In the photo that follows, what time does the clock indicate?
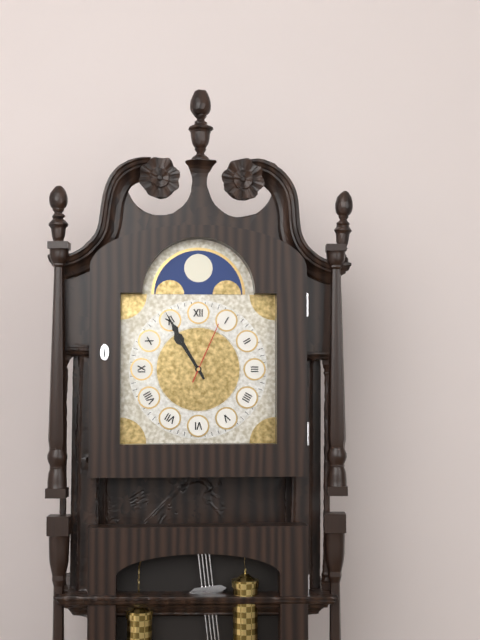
10:55:04
